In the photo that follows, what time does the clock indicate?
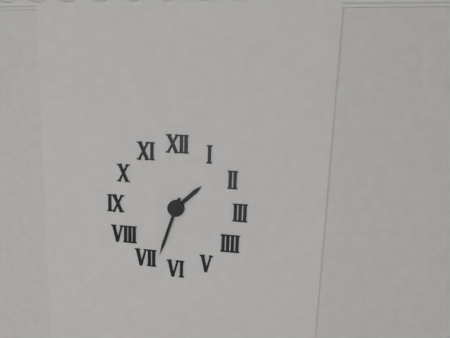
1:33
